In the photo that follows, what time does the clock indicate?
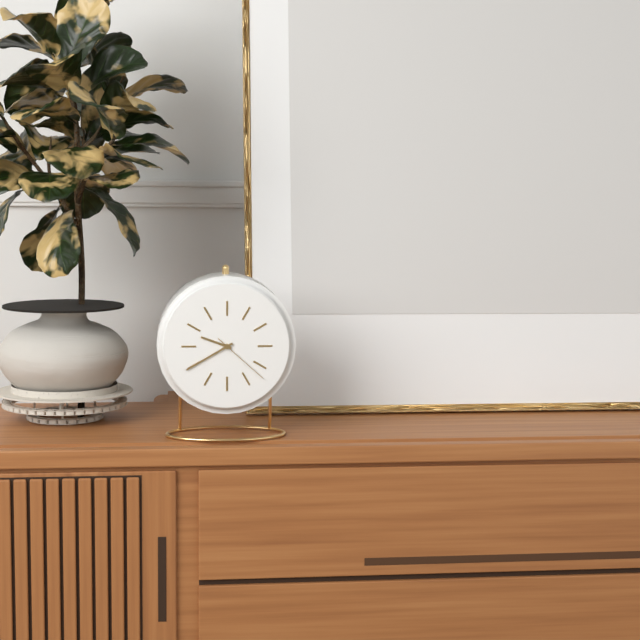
9:40:22
